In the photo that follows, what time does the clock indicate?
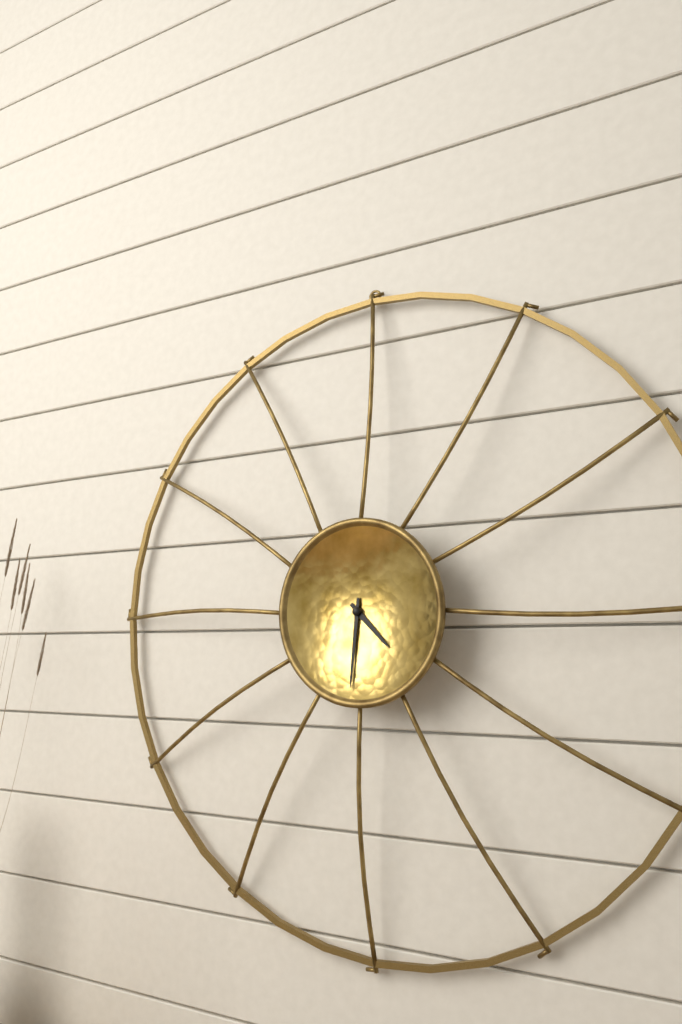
4:31
